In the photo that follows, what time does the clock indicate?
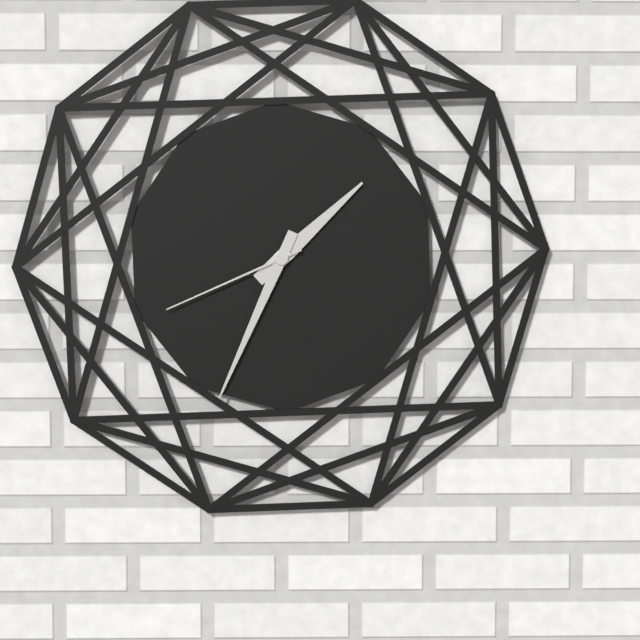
1:34:41
